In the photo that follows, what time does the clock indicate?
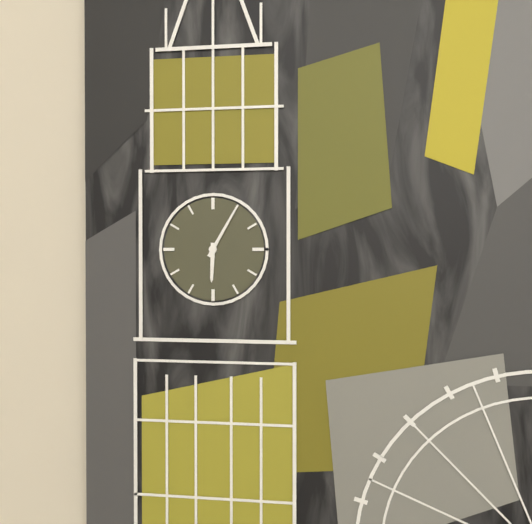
6:05
